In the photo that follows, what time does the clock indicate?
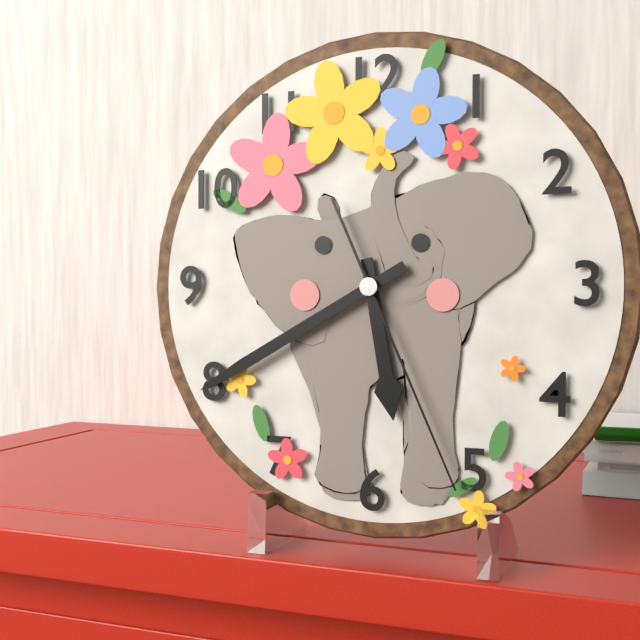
5:40:26
